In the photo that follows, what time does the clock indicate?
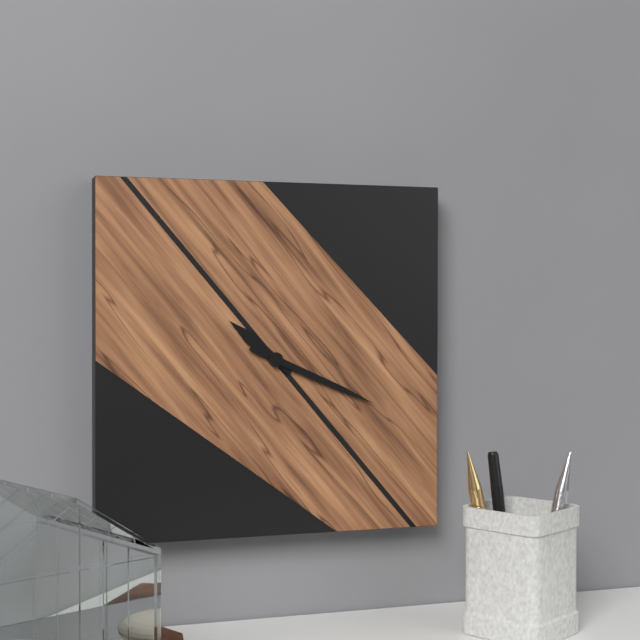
10:19
